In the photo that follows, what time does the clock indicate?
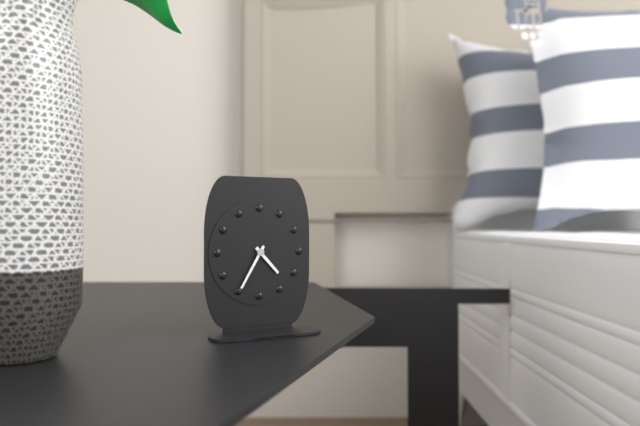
4:35
